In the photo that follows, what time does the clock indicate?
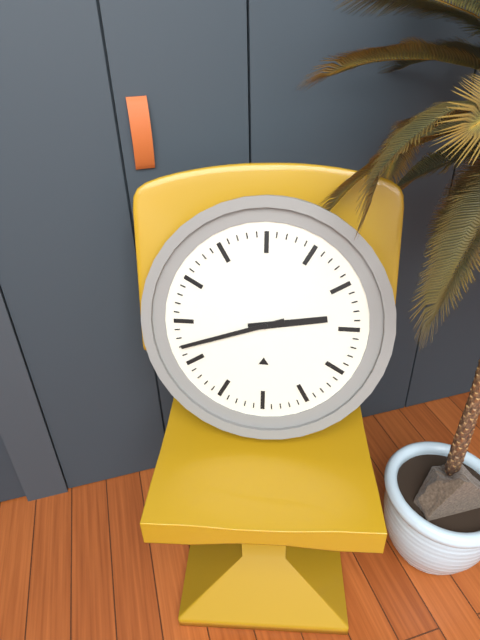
2:42
